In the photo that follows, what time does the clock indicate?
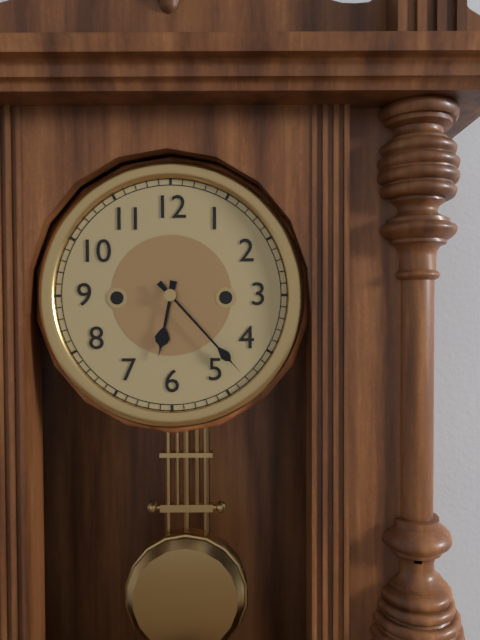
6:23
